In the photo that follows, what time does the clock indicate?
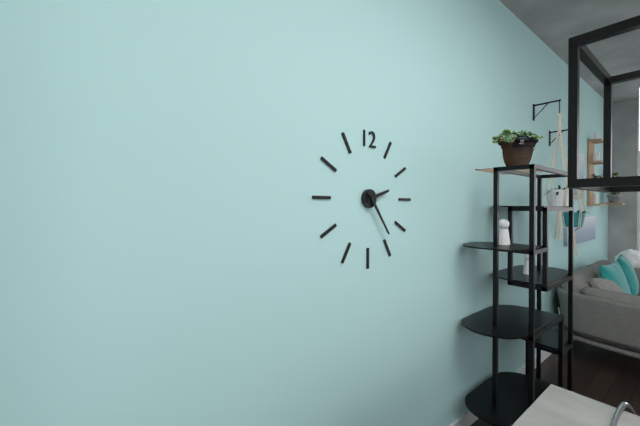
2:24
